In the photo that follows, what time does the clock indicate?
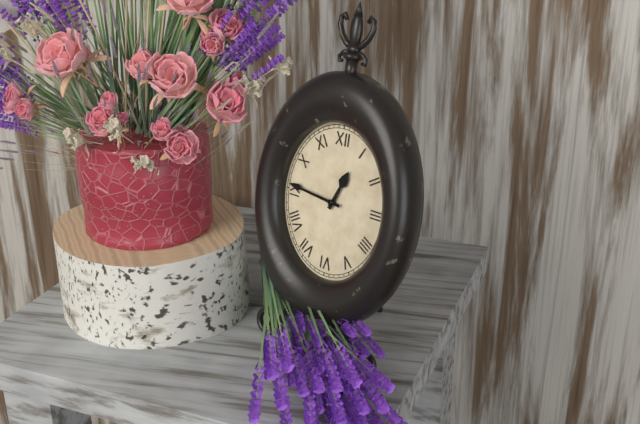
12:46
